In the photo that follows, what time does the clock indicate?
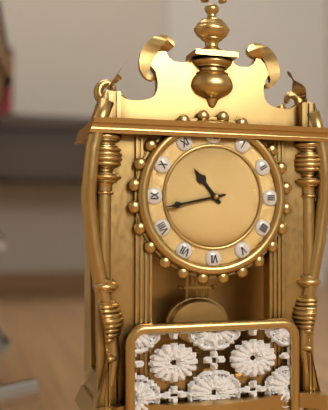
10:43
